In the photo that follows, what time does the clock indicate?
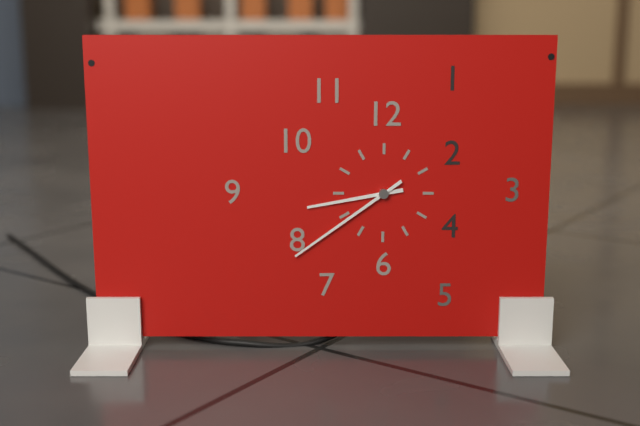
8:39
